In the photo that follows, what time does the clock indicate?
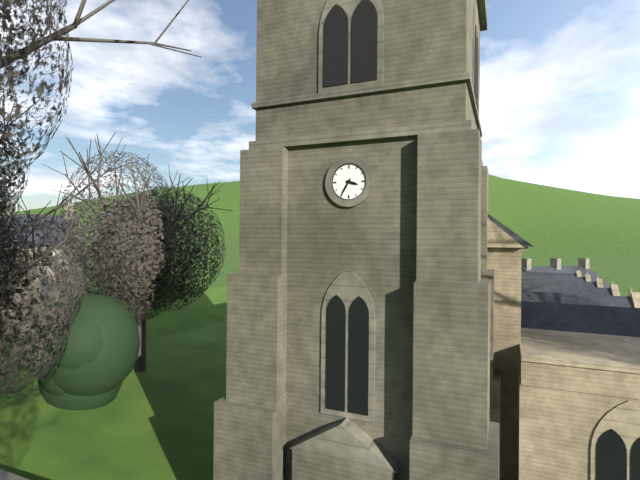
3:35
